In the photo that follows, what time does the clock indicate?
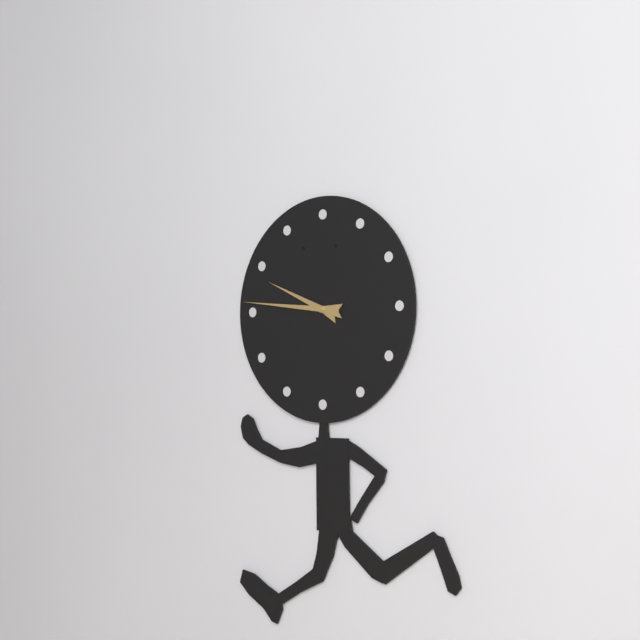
9:46
